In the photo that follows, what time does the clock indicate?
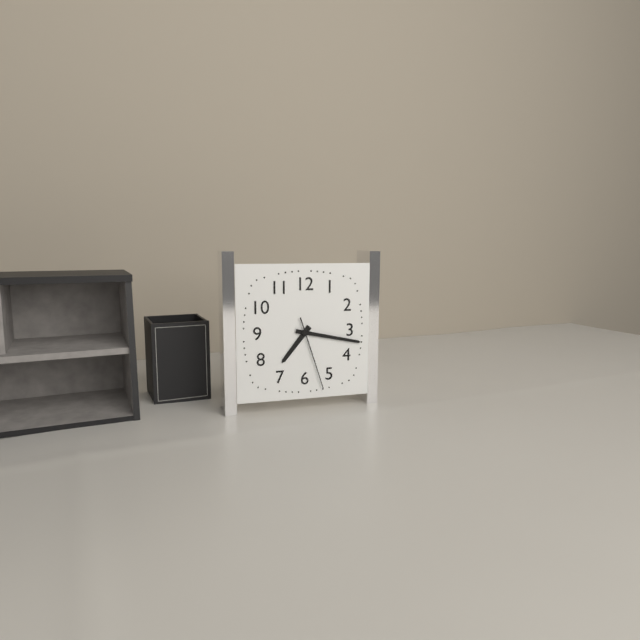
7:17:27
